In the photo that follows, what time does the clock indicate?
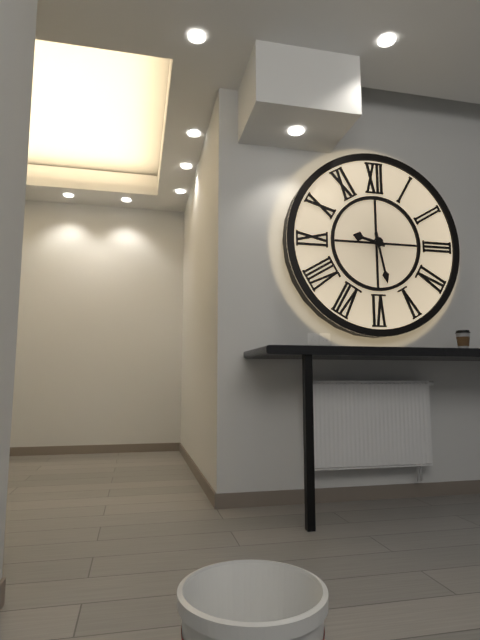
9:28
